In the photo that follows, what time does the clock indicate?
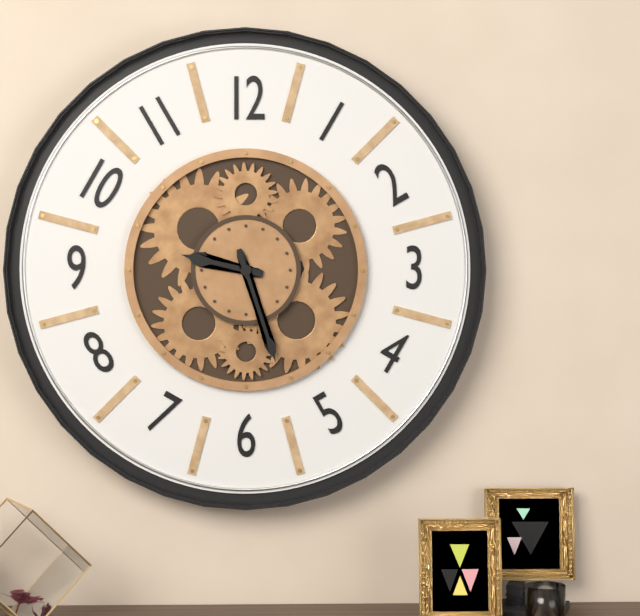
9:27
